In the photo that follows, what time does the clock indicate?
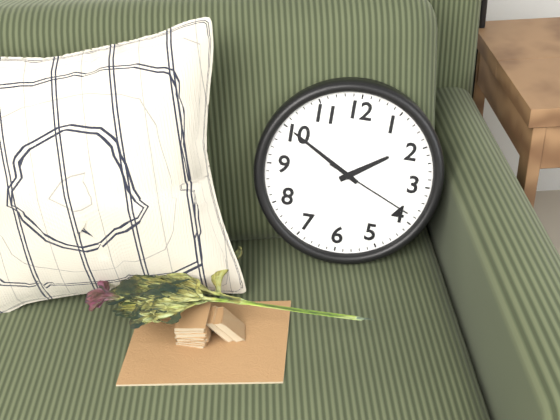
1:50:19
